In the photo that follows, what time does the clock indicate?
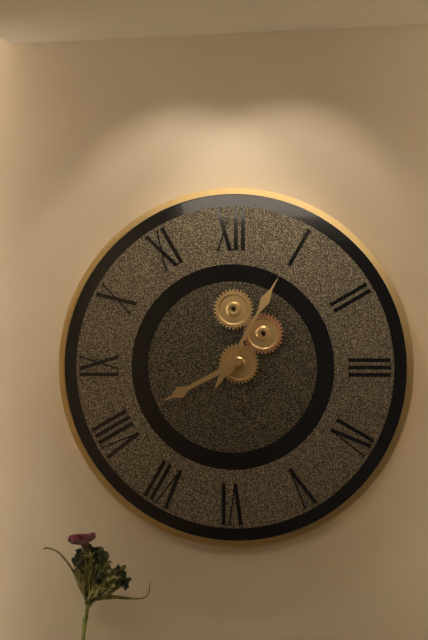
8:05
